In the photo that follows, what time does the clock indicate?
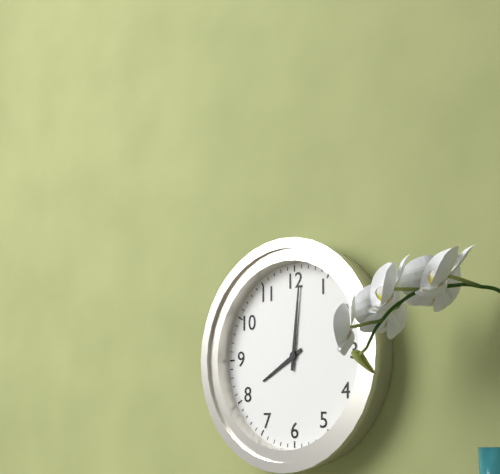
8:01
